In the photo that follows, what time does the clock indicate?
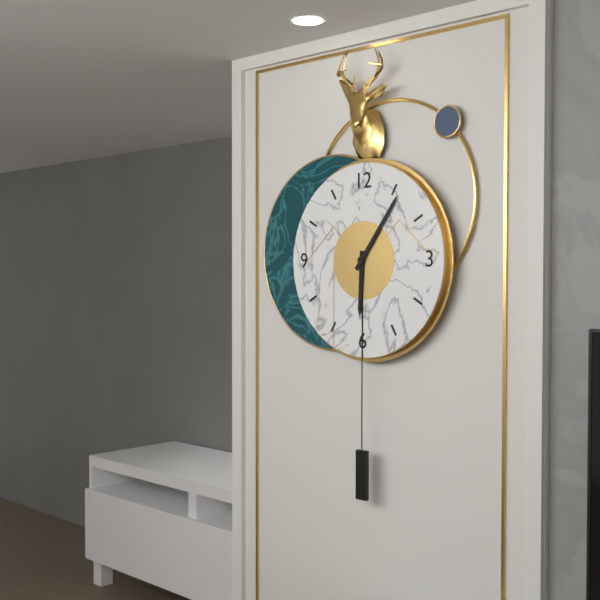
6:06
